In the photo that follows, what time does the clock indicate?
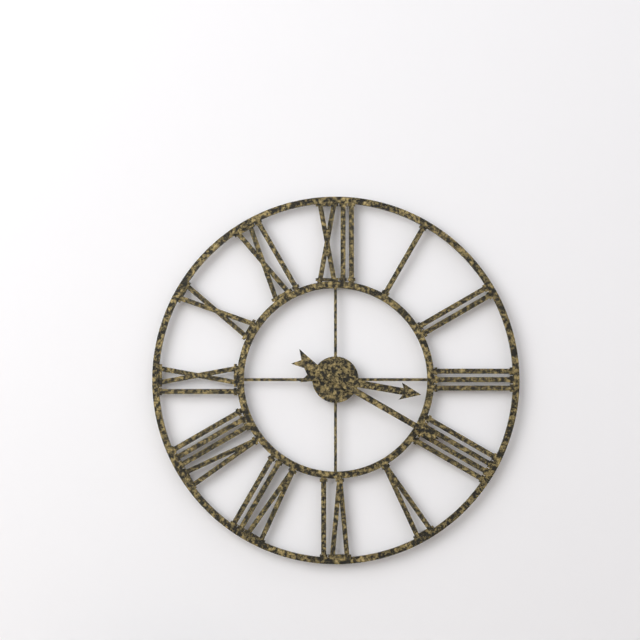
3:20
